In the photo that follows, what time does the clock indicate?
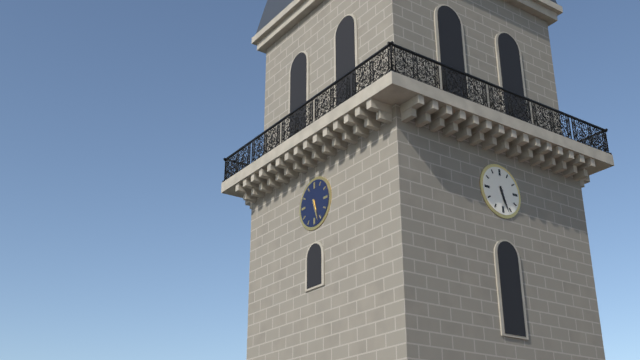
5:27
